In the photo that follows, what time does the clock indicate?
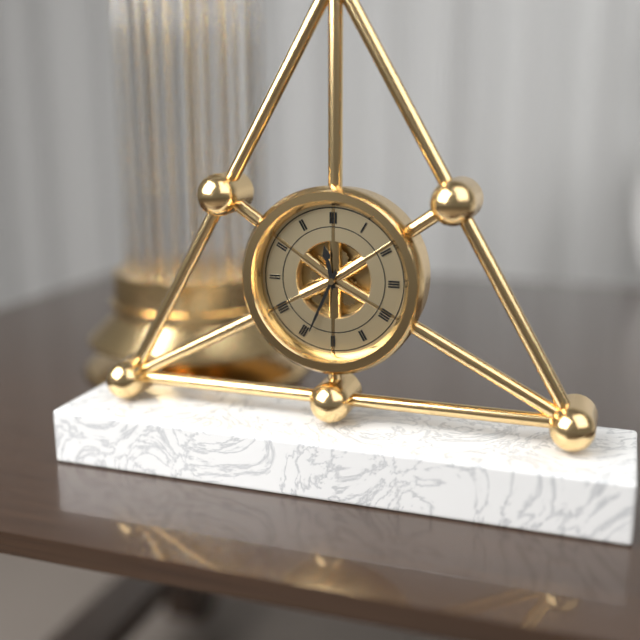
11:34
